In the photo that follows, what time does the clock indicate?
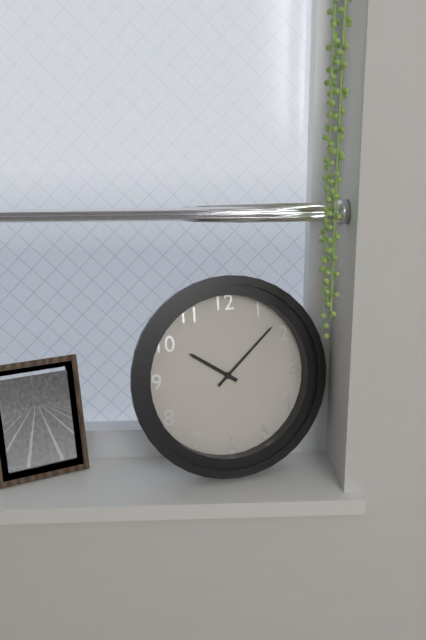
10:08
